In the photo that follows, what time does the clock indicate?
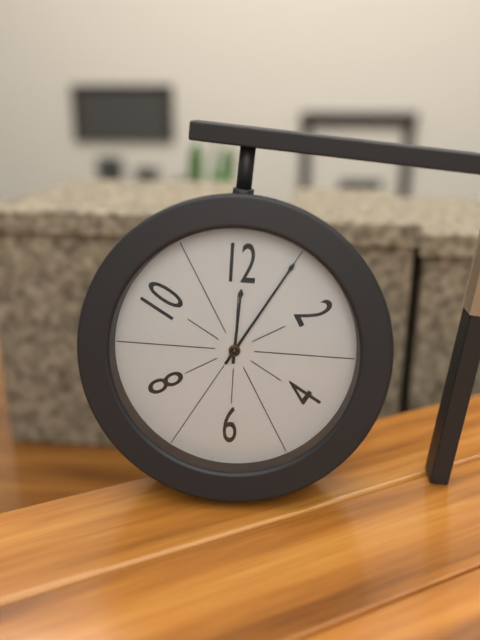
12:05
